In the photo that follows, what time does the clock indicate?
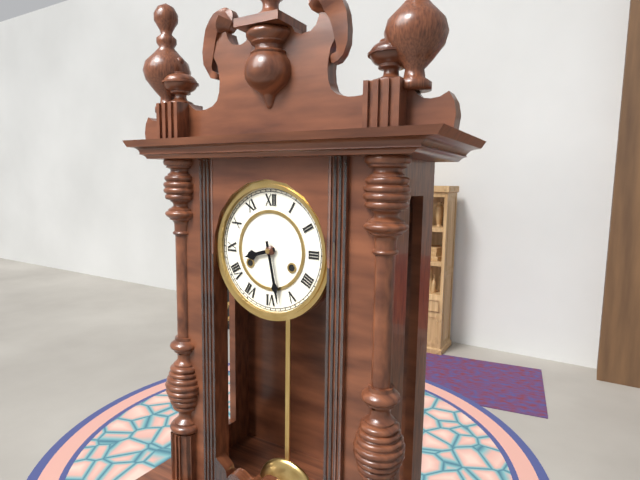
8:28
